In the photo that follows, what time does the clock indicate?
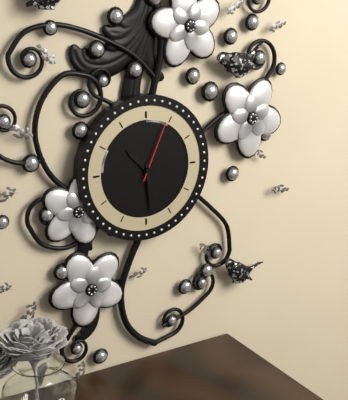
10:29:04
